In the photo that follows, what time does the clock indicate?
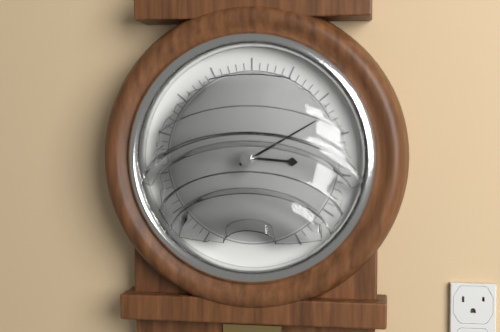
3:10
